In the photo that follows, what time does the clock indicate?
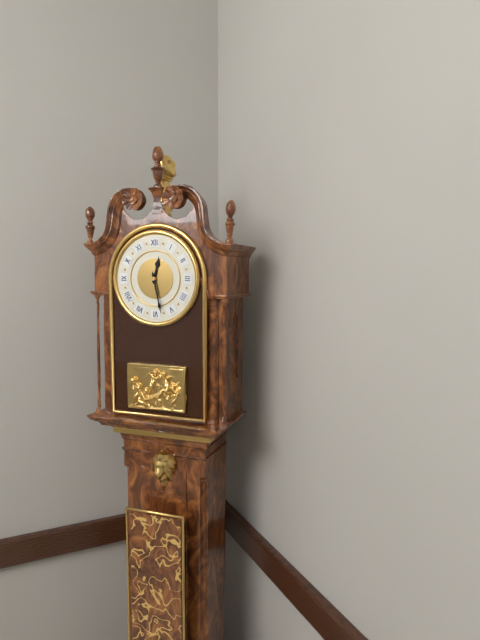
12:28
